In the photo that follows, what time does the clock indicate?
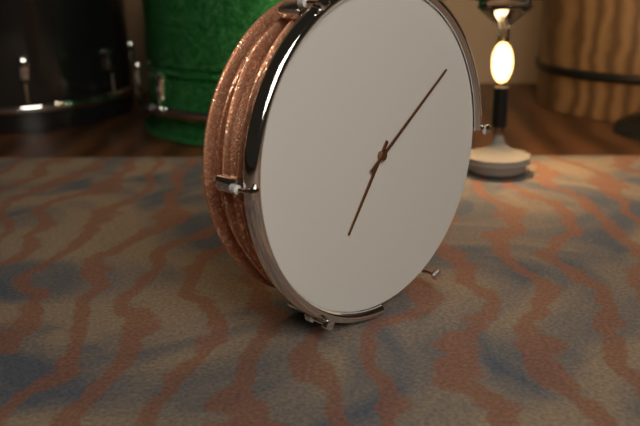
7:09
